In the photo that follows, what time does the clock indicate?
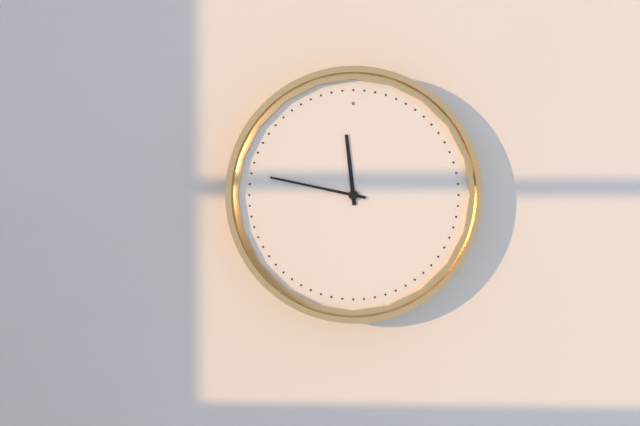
11:47
